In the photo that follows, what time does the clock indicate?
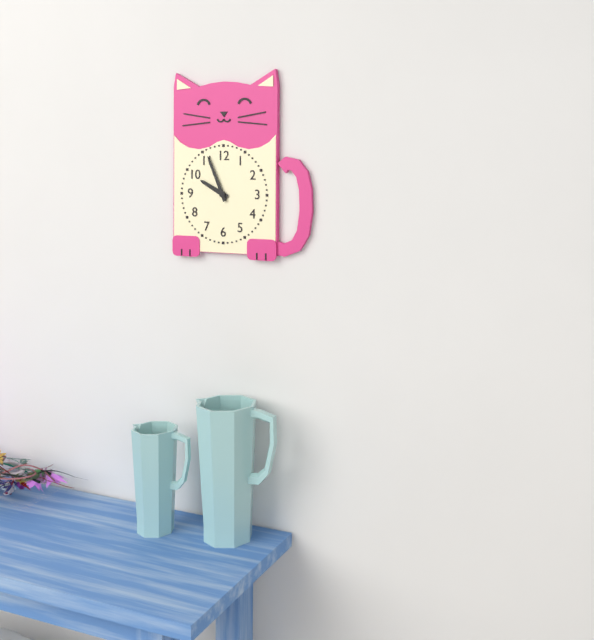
9:56
